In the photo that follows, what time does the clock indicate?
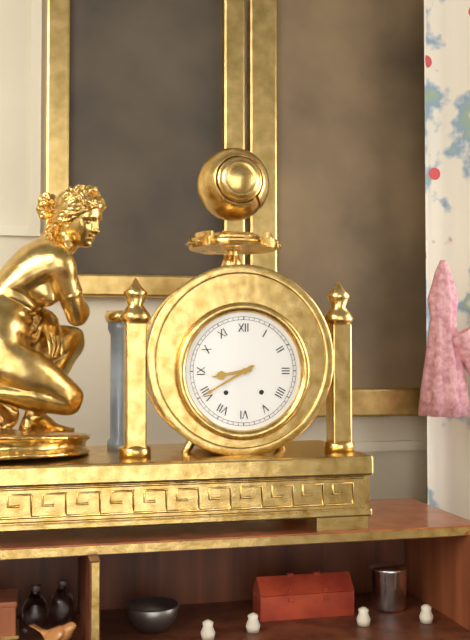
8:40
